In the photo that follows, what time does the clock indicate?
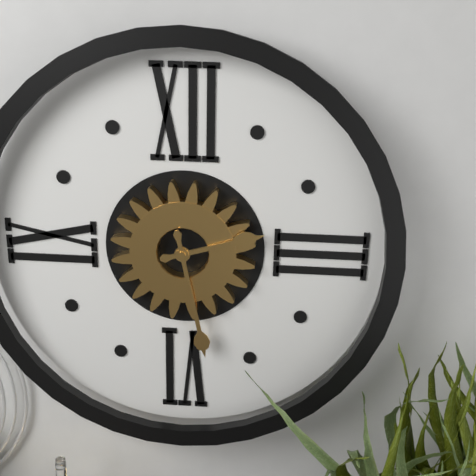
2:28
